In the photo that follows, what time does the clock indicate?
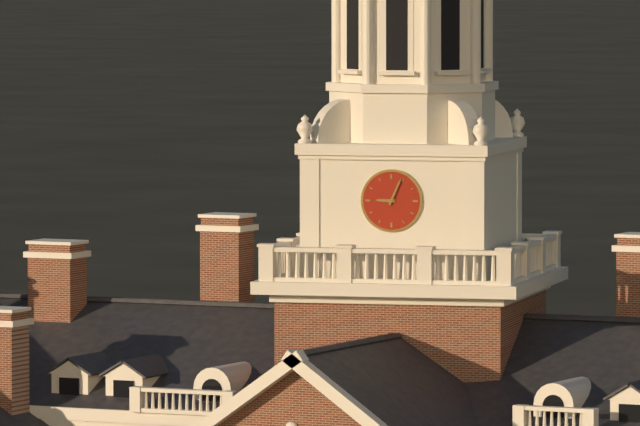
9:04
